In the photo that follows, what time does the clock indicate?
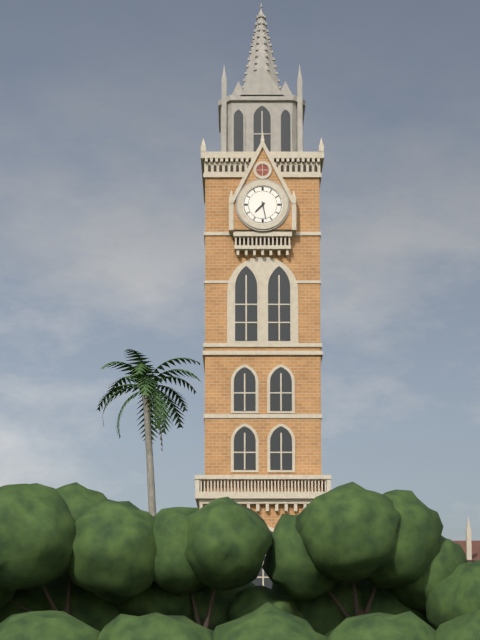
7:28
